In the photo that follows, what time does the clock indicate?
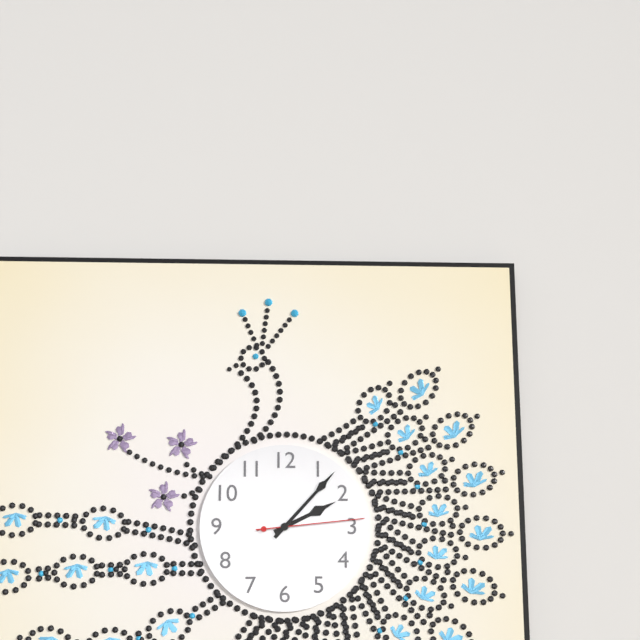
2:07:14
